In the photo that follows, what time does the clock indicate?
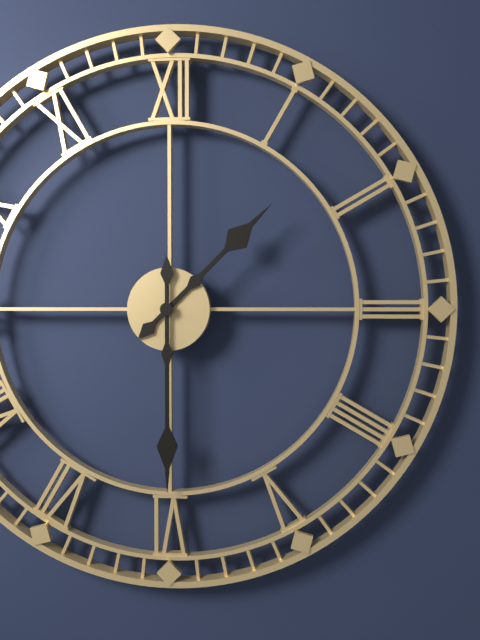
1:30
